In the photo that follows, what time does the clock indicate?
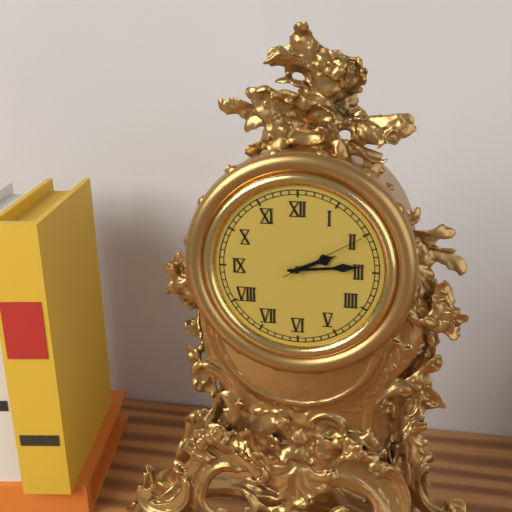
2:14:10
